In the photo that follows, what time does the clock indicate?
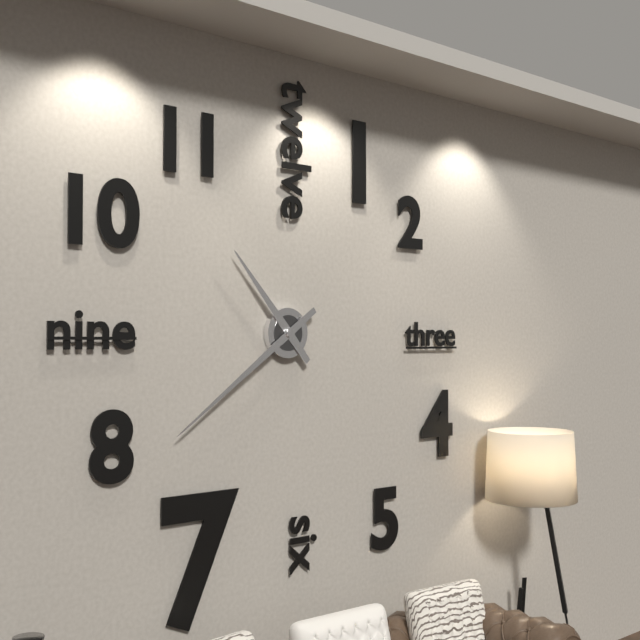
10:39
